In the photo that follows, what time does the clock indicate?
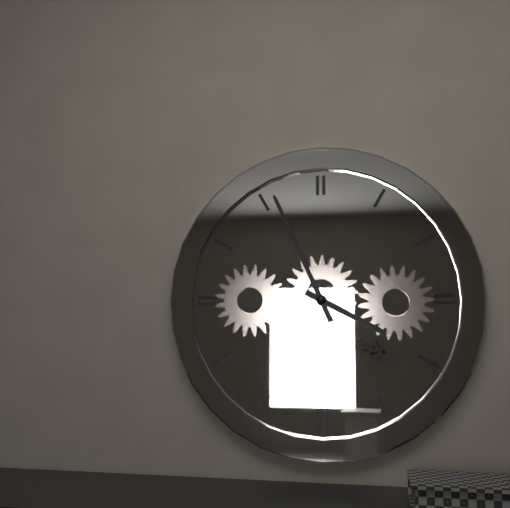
3:56
